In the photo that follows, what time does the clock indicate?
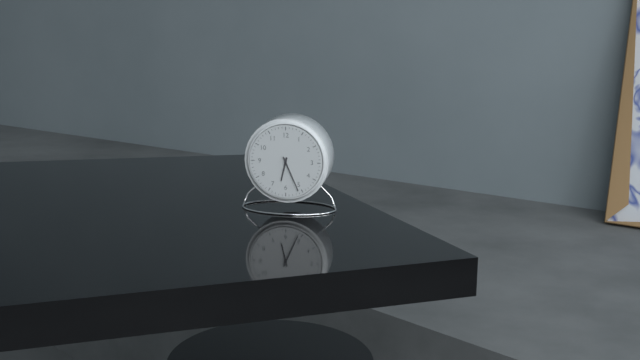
6:26
